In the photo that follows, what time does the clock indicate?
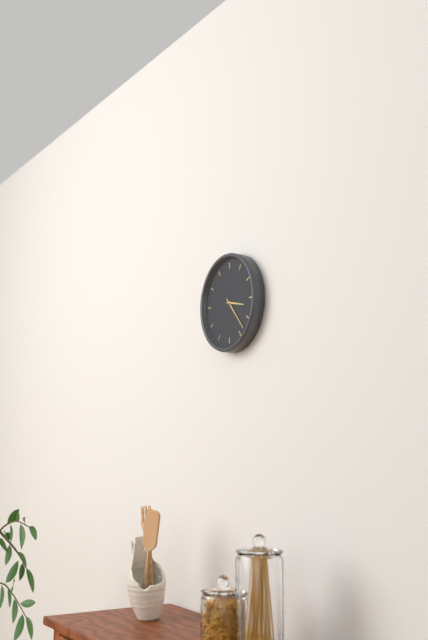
3:23
